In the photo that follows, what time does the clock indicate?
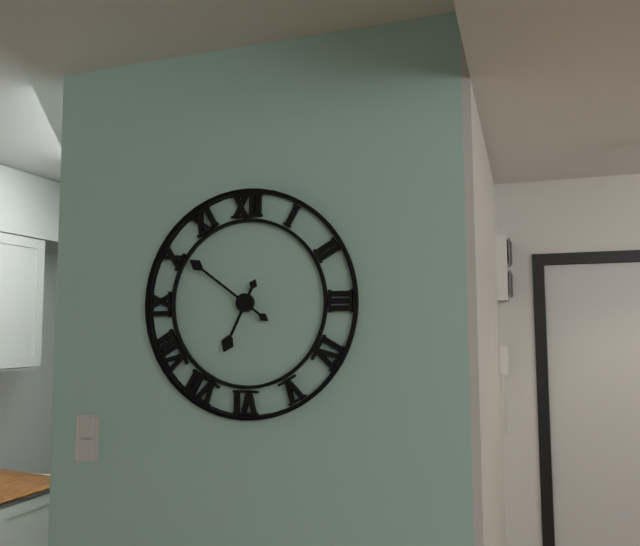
6:51
